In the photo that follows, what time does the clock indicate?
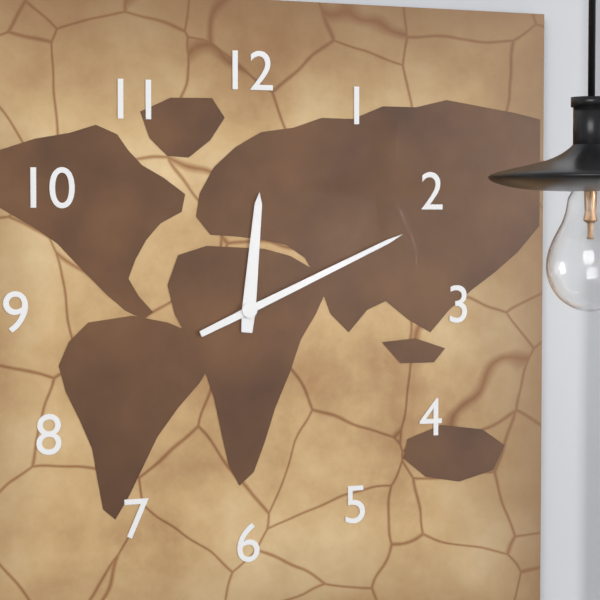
12:11
